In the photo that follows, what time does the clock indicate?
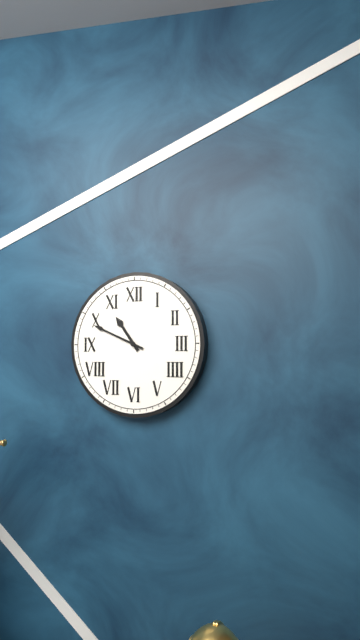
10:49
